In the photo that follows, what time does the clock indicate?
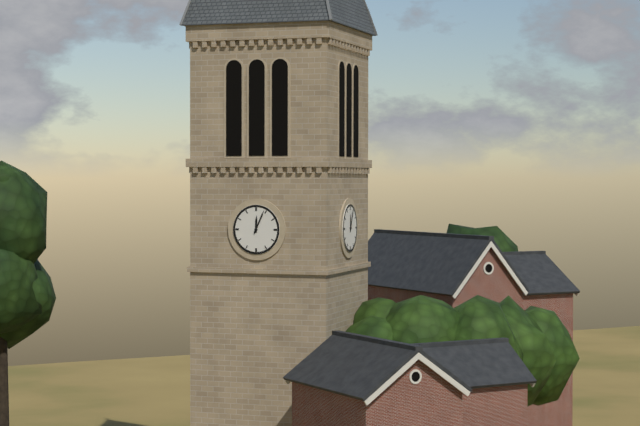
12:04
